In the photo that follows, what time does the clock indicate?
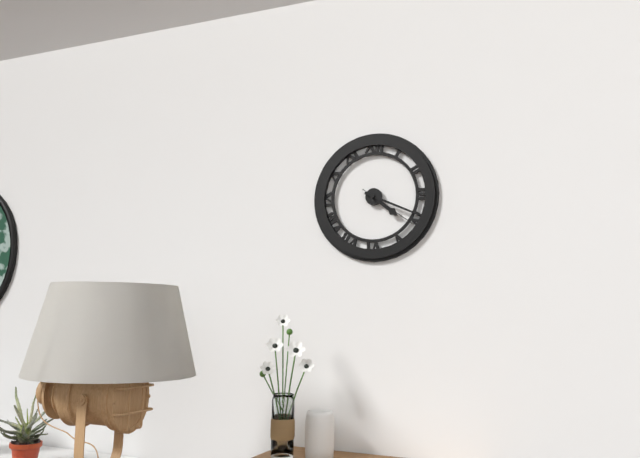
4:19:21
